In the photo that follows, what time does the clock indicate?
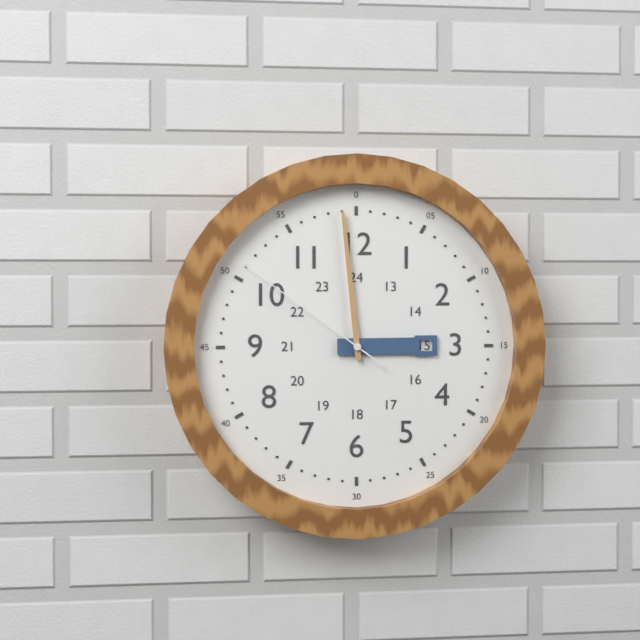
2:59:51
